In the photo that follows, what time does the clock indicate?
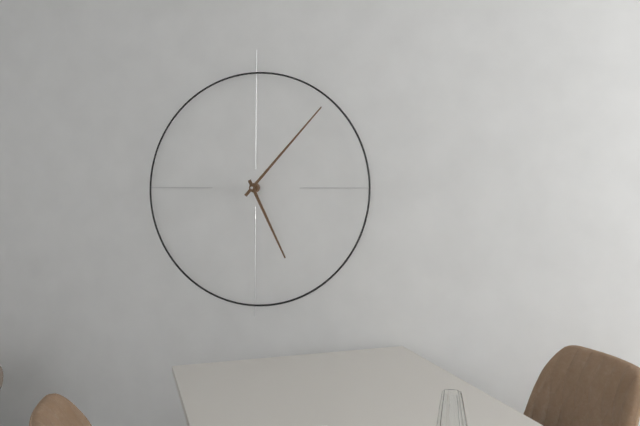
5:07
